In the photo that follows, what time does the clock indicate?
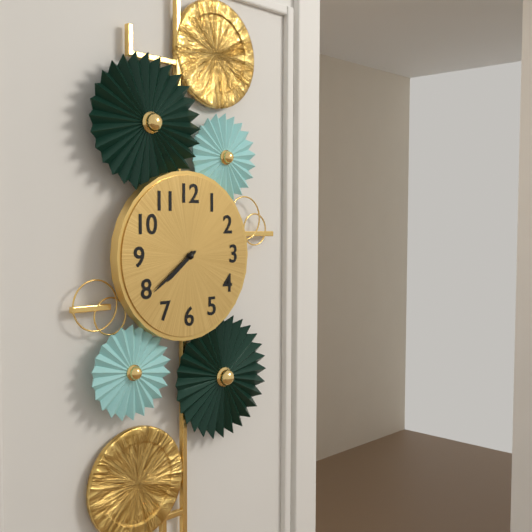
7:39
